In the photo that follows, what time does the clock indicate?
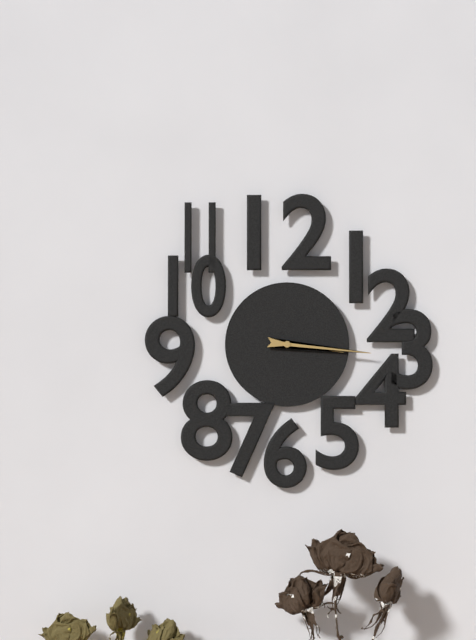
3:16
